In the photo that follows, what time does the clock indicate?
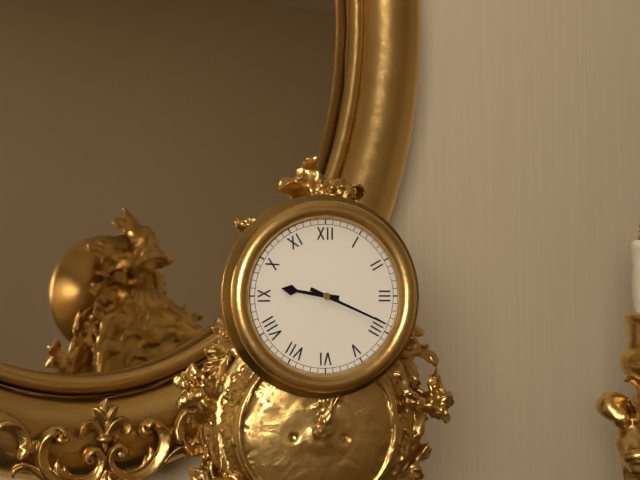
9:19
